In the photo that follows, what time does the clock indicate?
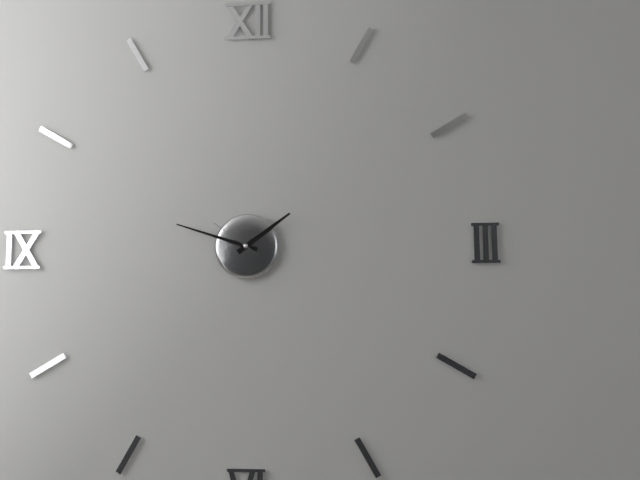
1:48
